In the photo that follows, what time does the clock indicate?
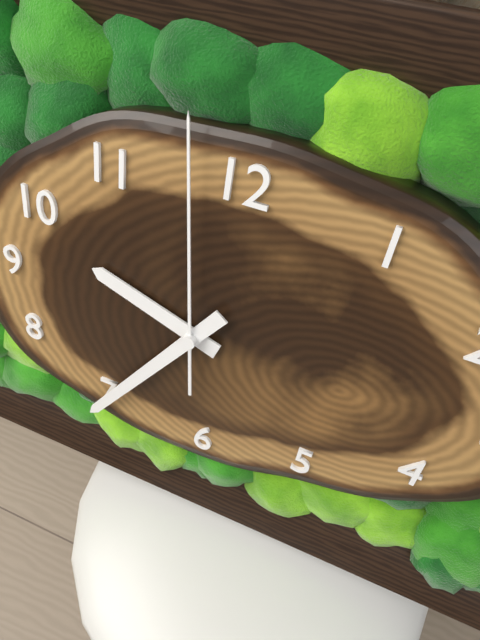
9:36:59
